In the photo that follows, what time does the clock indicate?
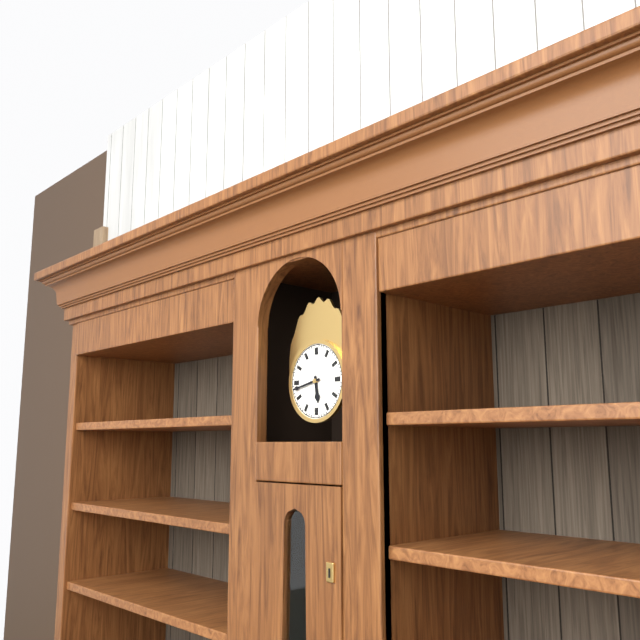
5:43
